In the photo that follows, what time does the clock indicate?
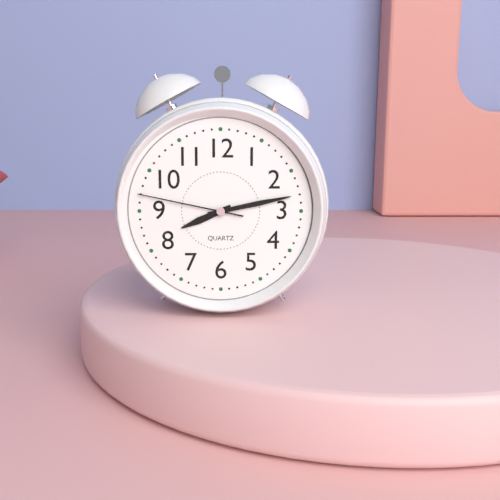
8:13:47
